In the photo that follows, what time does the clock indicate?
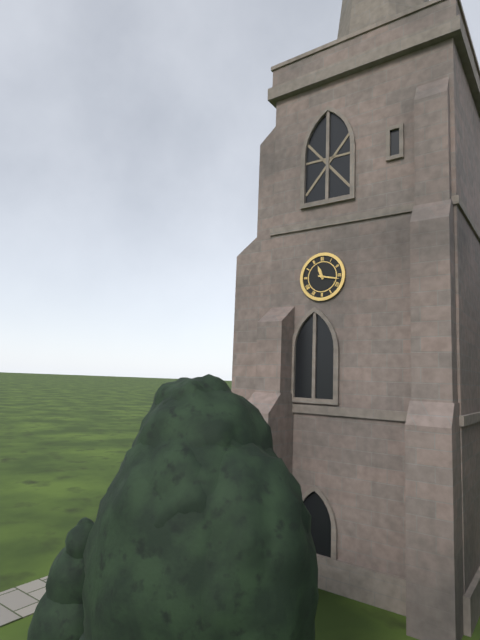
11:17
